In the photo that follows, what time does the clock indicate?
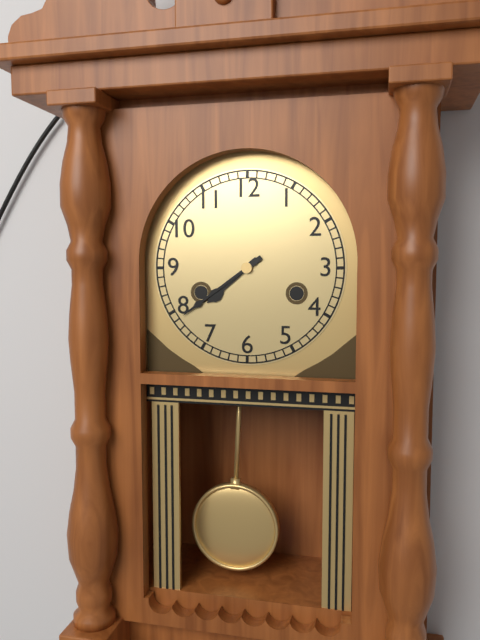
7:39
